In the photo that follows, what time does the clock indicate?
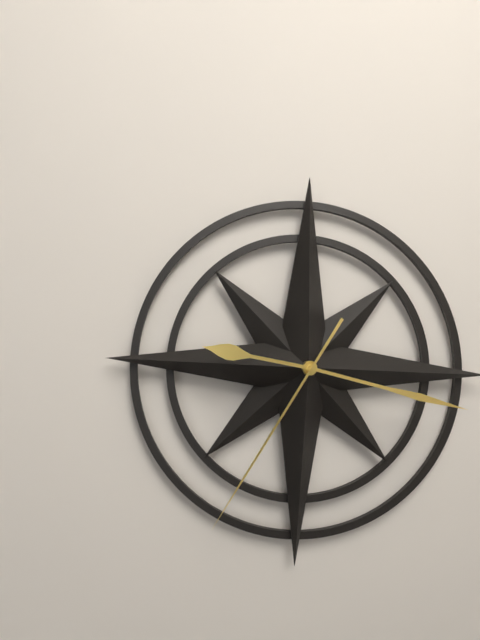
9:17:35
